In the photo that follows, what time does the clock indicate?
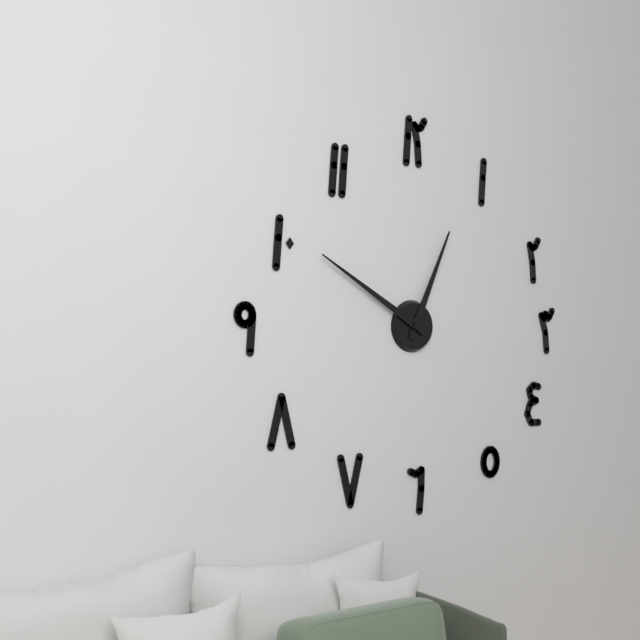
12:50
